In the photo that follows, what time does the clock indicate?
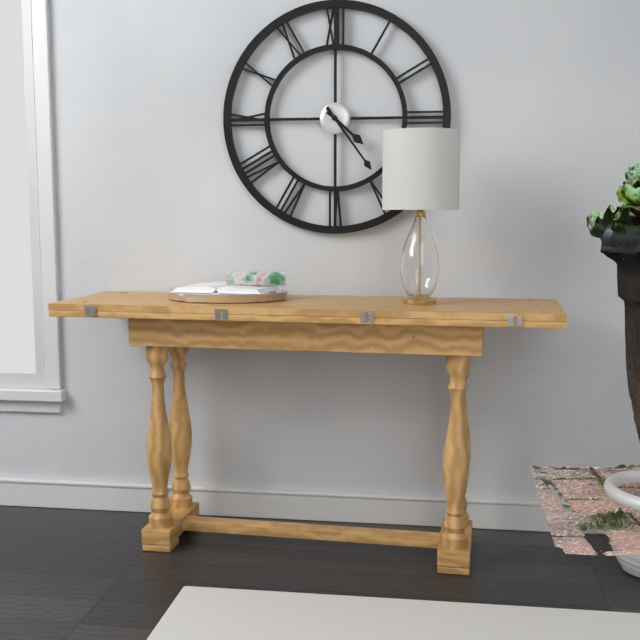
4:24
